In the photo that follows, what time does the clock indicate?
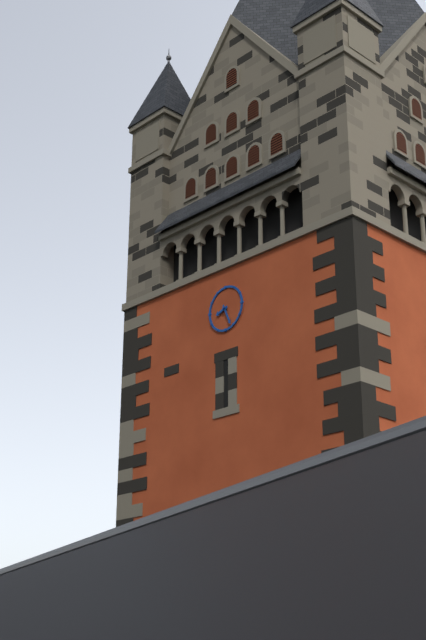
8:26
